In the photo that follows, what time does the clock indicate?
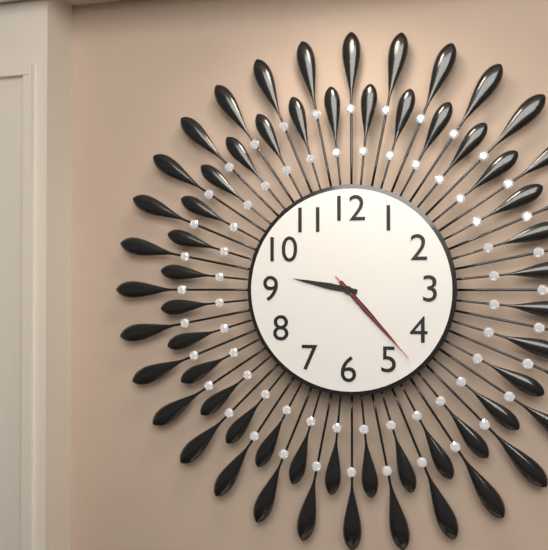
9:23:23
